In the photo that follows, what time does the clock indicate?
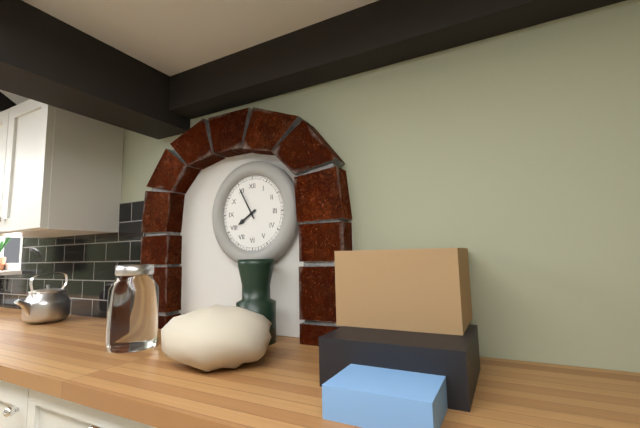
7:55
